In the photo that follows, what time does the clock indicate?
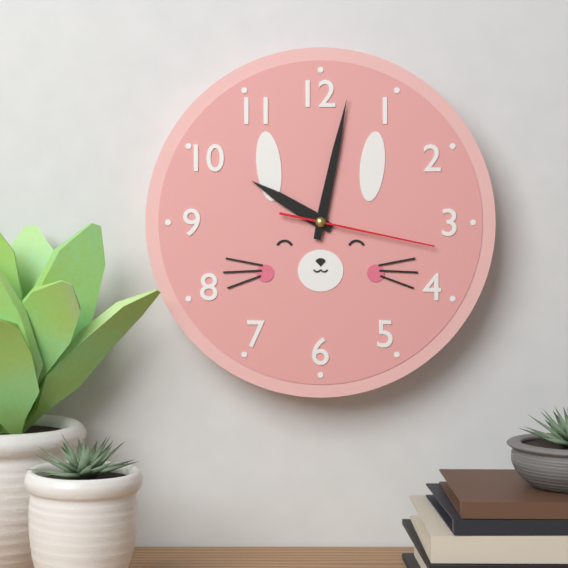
10:02:17
